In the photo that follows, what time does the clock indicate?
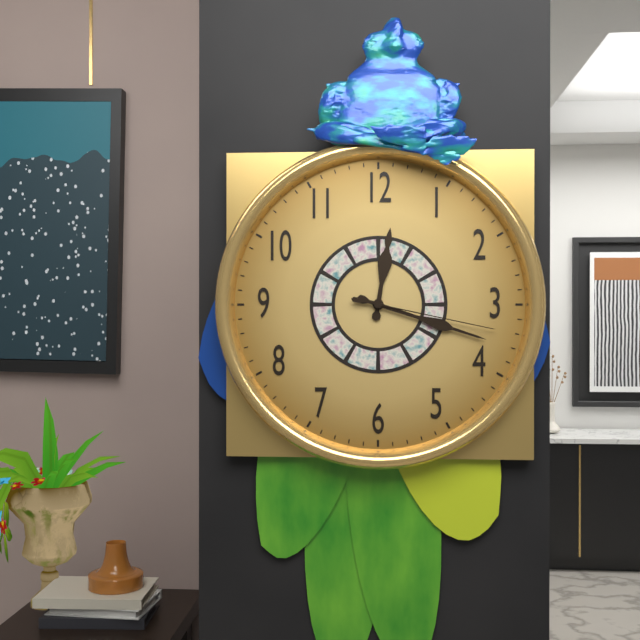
12:18:17
